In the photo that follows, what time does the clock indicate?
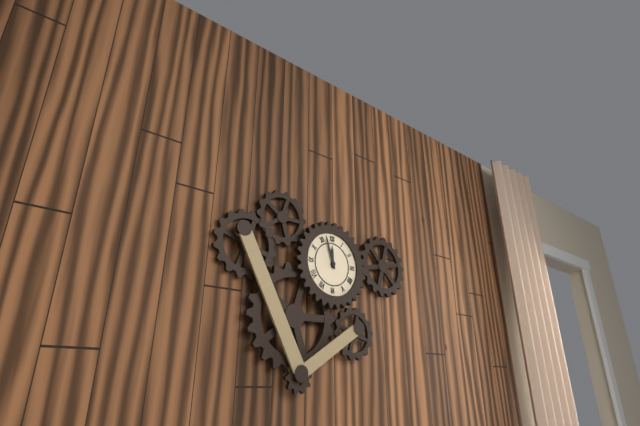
11:57
